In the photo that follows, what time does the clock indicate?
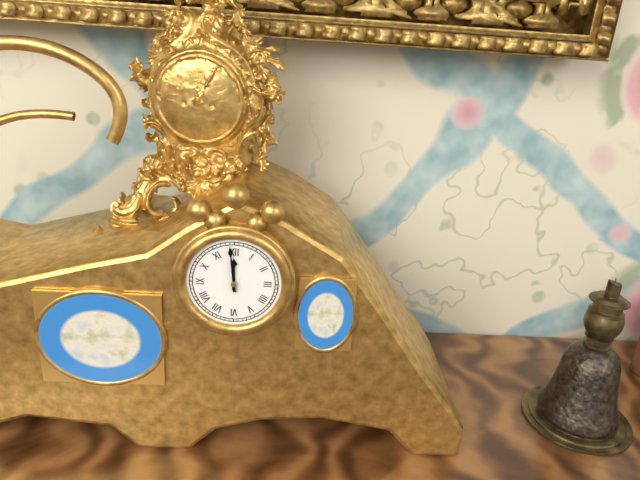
11:59
